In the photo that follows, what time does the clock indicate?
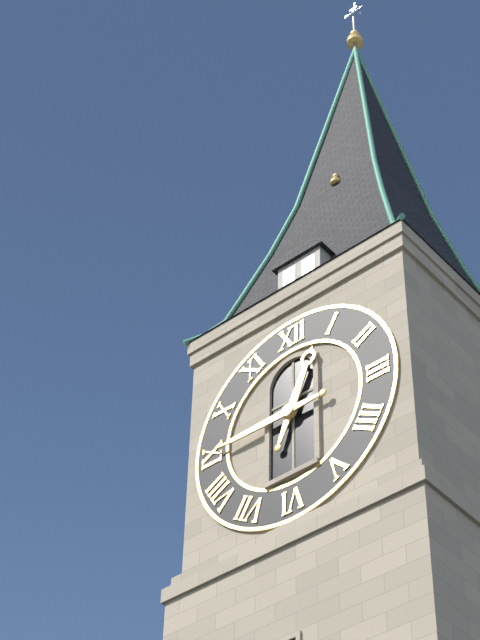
12:45
